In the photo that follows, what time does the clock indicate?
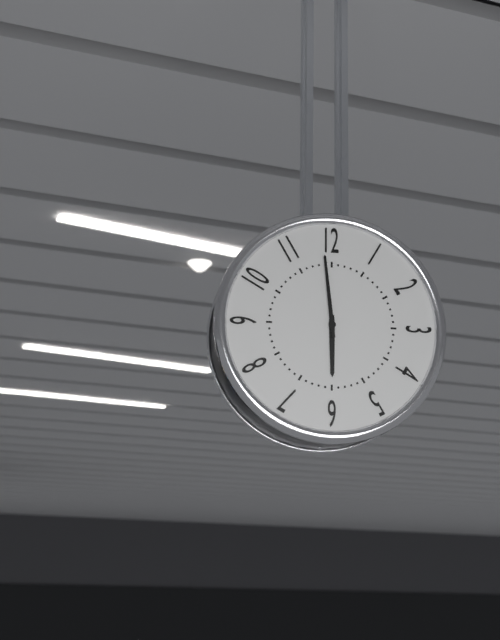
5:59
